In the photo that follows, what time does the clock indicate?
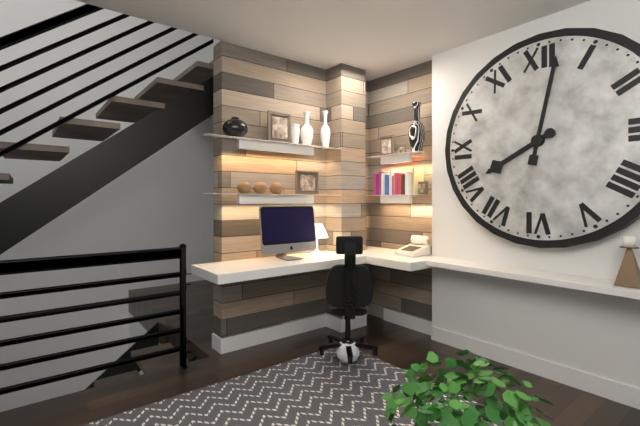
8:02
